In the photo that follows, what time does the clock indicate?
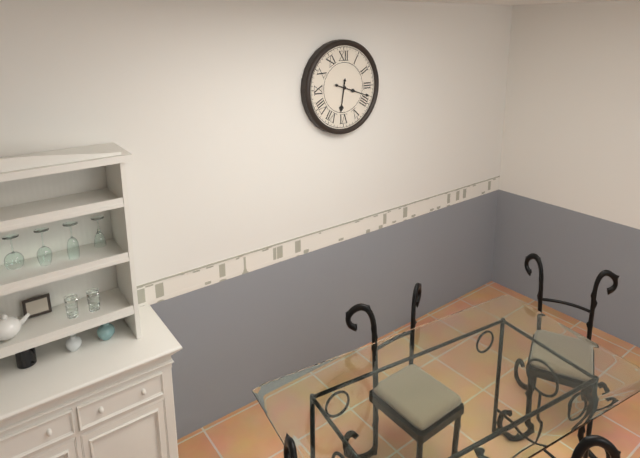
6:18
